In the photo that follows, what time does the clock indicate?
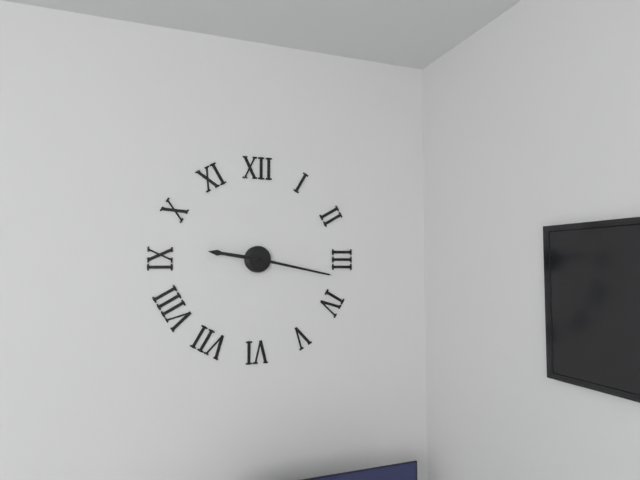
9:17
